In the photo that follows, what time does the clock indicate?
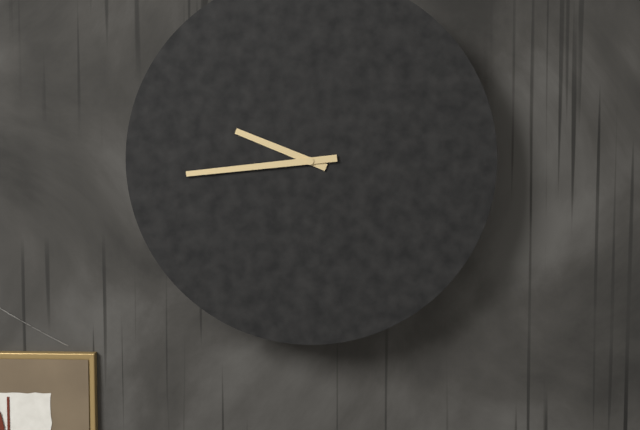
9:44
